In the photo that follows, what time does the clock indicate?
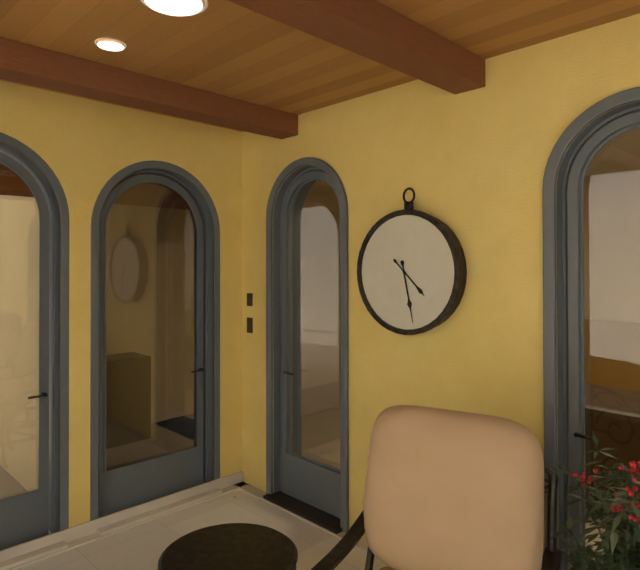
4:28
